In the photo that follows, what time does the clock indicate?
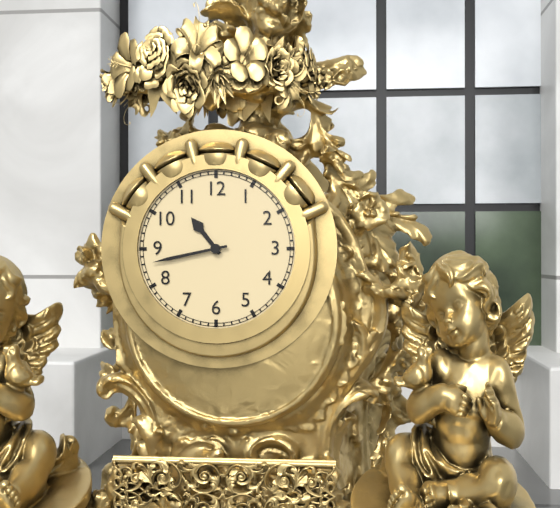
10:43
